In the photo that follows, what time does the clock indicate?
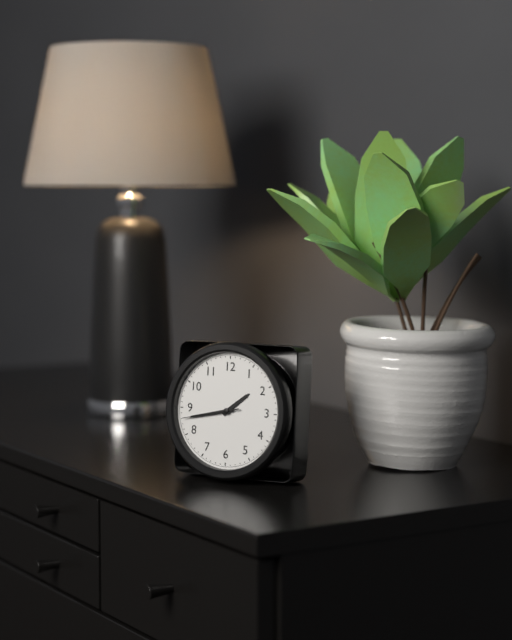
1:43:43
